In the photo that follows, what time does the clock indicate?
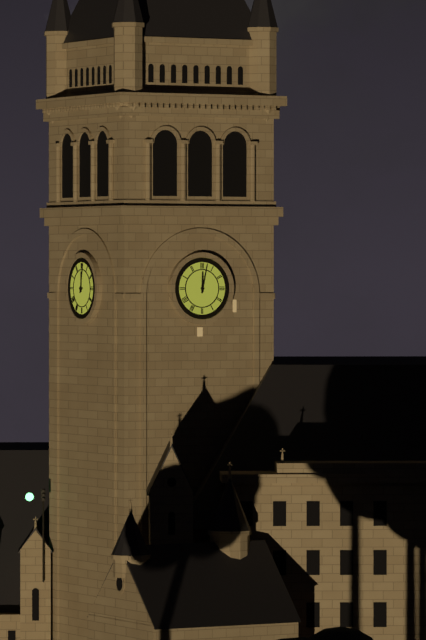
12:02
